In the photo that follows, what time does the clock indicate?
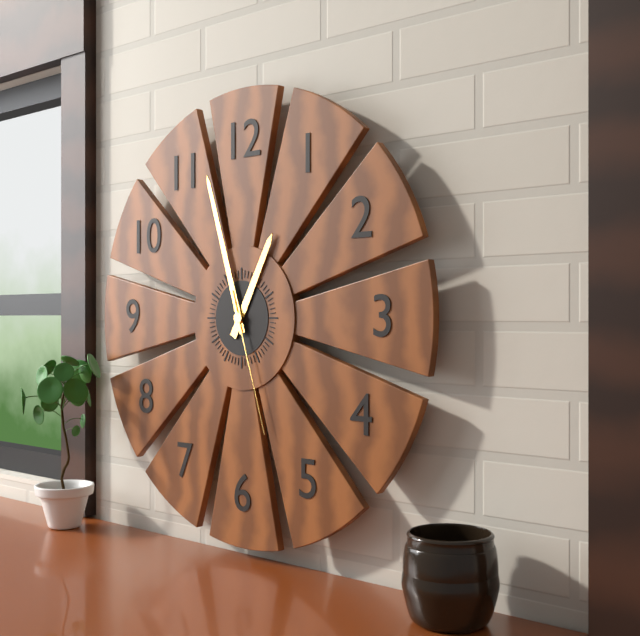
12:57:27
